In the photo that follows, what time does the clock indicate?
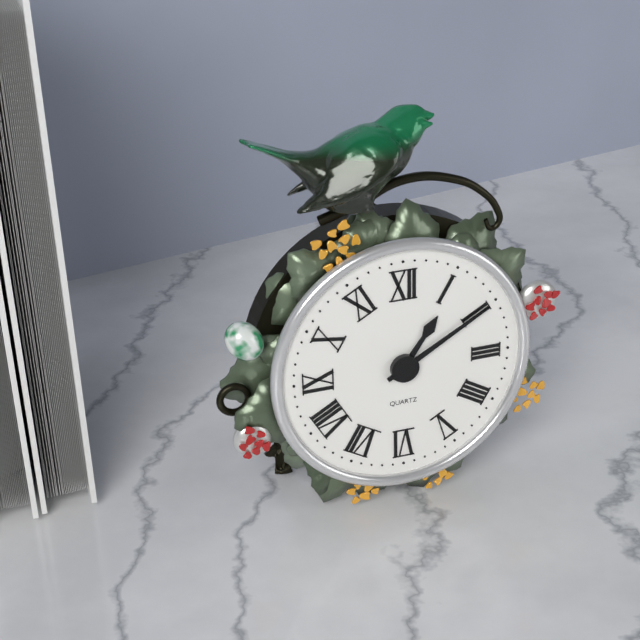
1:10
